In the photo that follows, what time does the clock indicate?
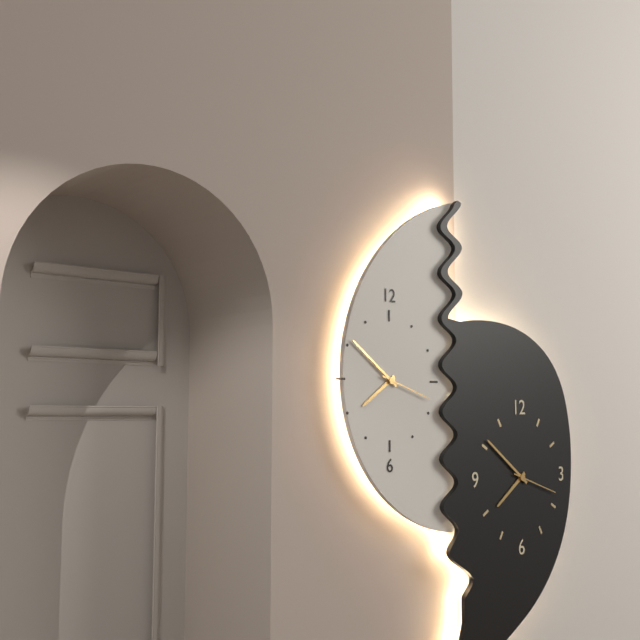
7:51:18
